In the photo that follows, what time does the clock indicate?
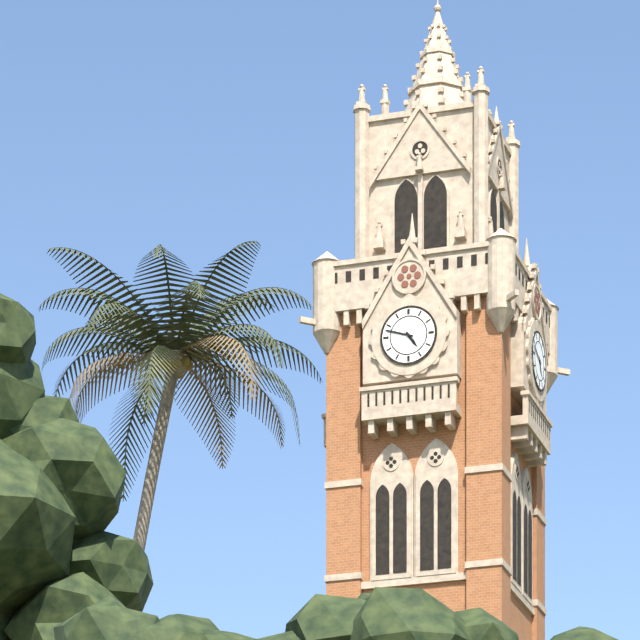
4:48
